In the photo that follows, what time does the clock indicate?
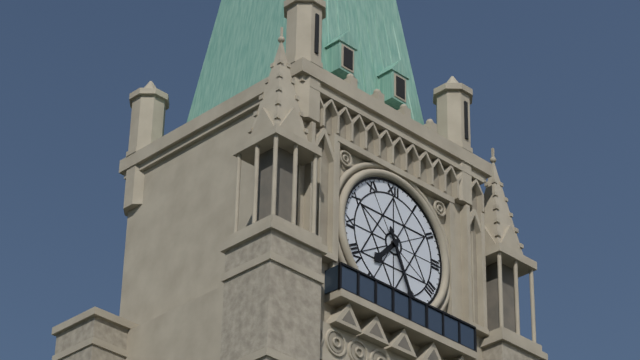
7:26
